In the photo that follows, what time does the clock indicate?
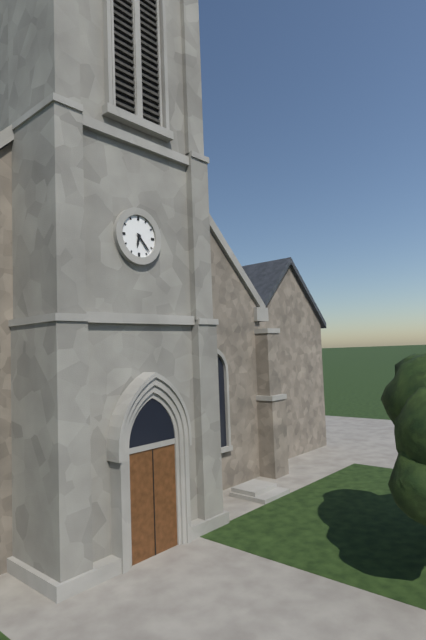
6:23
